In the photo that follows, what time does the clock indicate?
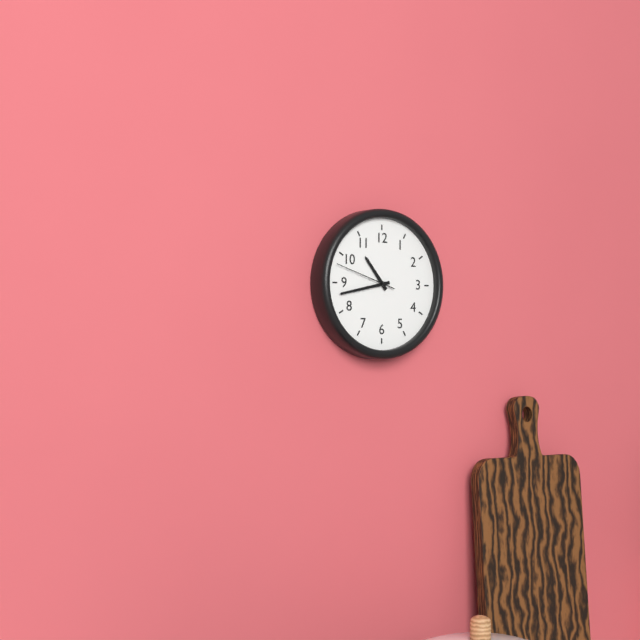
10:43:48
